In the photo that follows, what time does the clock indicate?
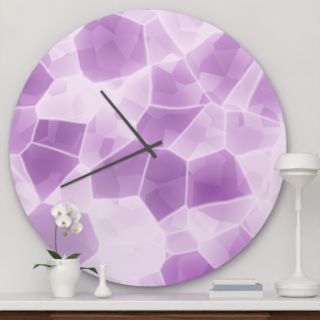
10:41
